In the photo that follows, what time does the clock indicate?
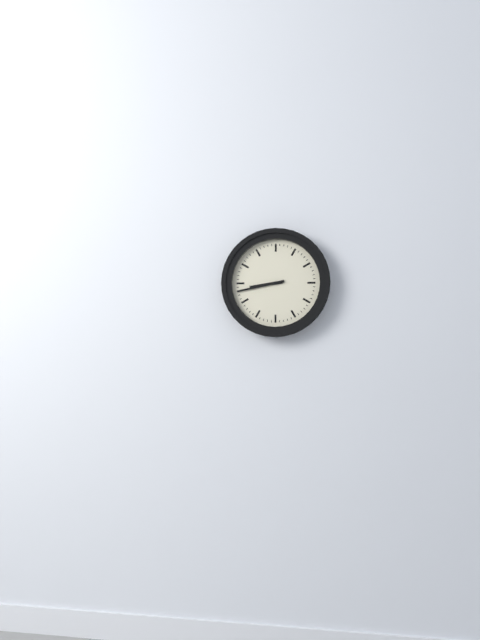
8:43
